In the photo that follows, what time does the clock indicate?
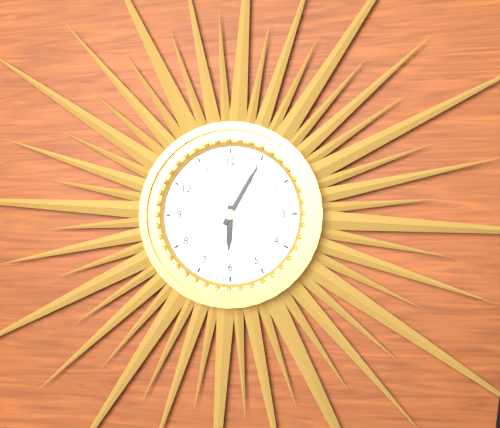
6:05
